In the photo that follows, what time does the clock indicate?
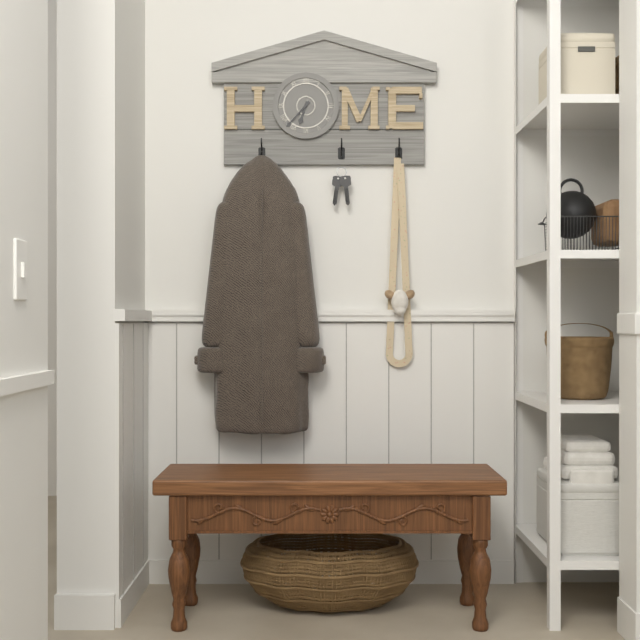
6:37
